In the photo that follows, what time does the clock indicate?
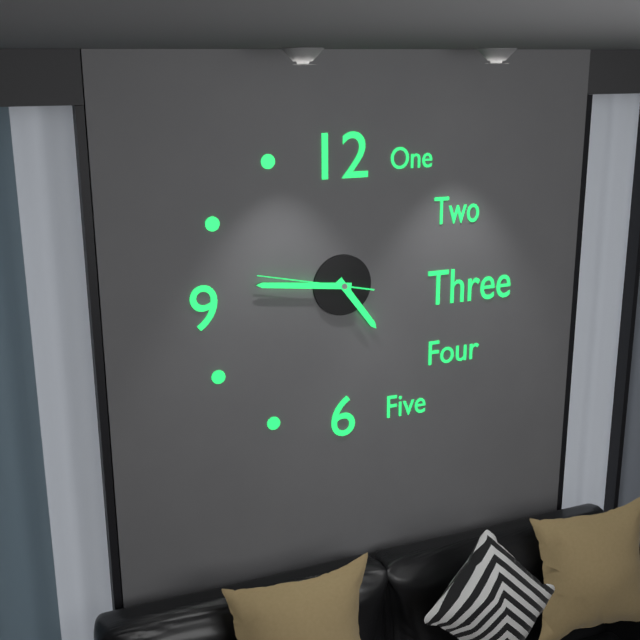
4:46:47
